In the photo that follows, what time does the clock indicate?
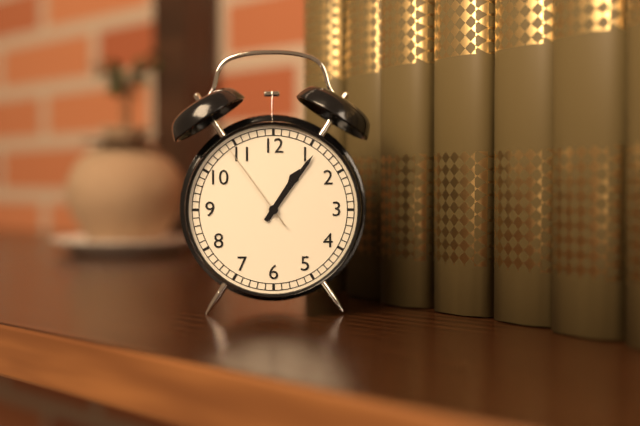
1:06:54
